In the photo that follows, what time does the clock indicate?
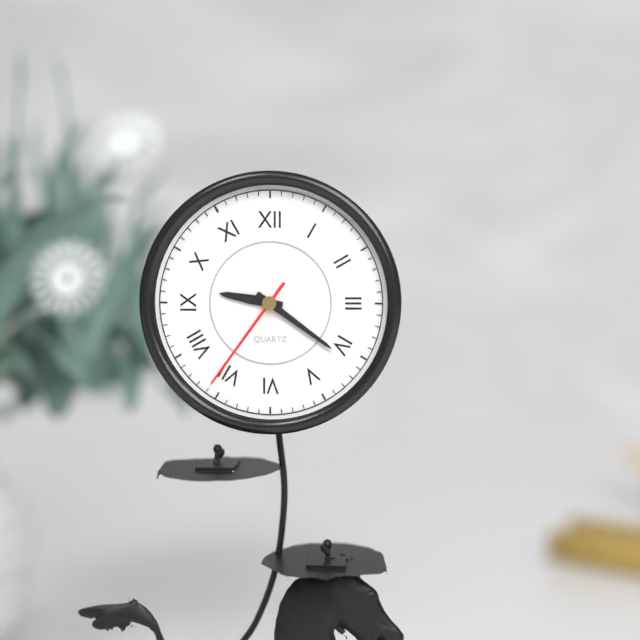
9:21:36
